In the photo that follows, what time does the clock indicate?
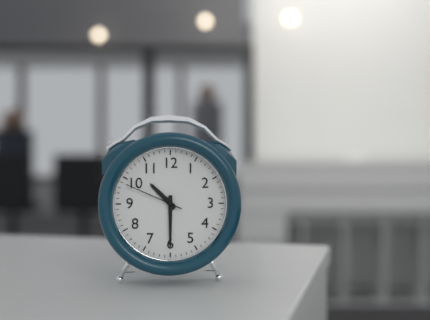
10:30:49
